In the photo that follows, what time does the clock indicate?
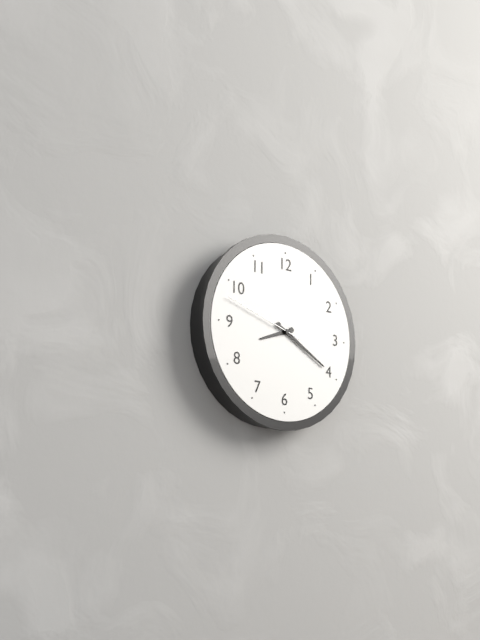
8:20:48
